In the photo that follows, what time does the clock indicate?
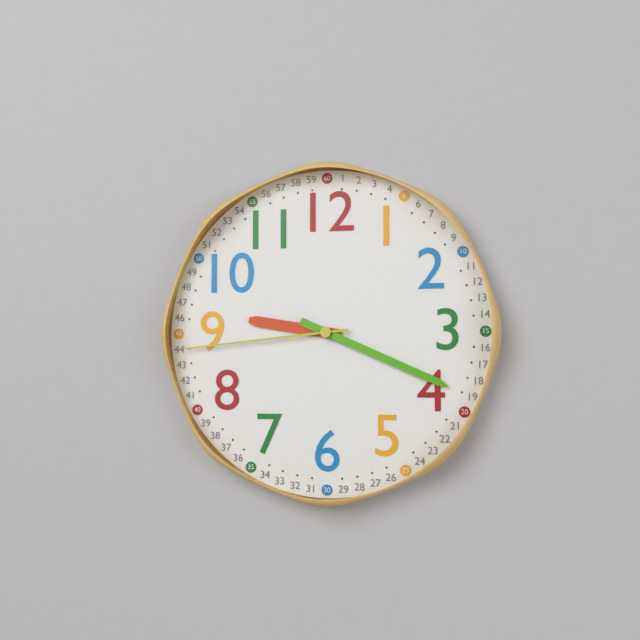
9:19:44
